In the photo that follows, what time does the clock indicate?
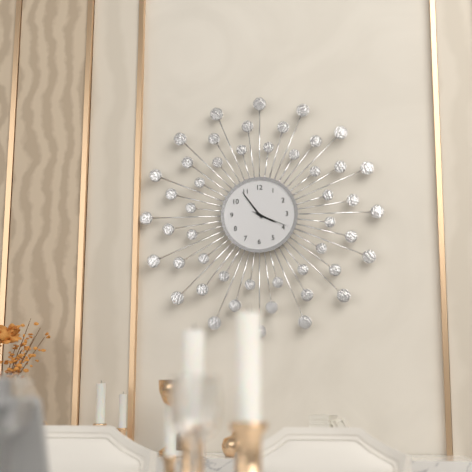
3:54
